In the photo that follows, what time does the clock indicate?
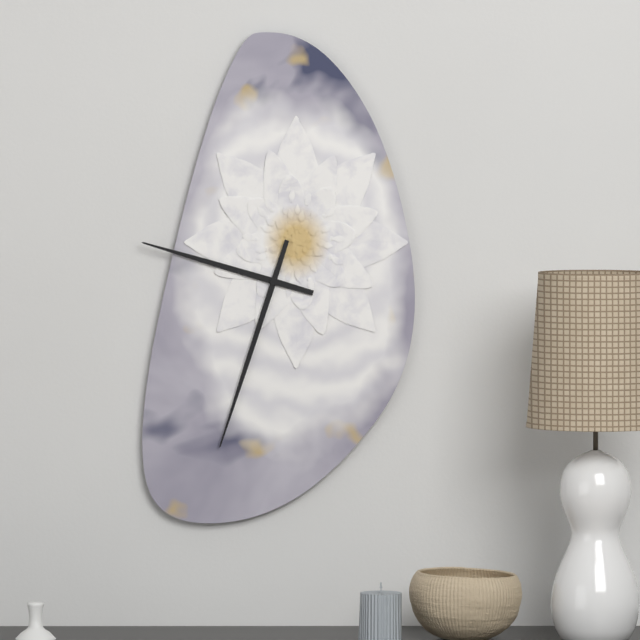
9:33
